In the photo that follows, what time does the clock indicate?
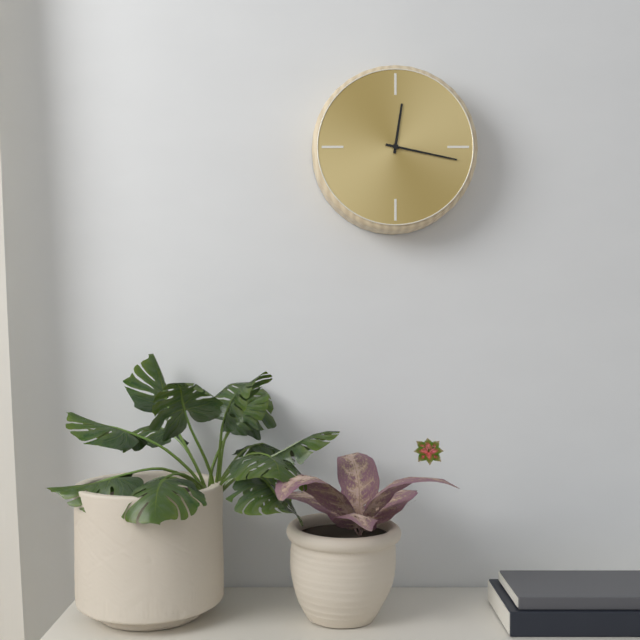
12:17
